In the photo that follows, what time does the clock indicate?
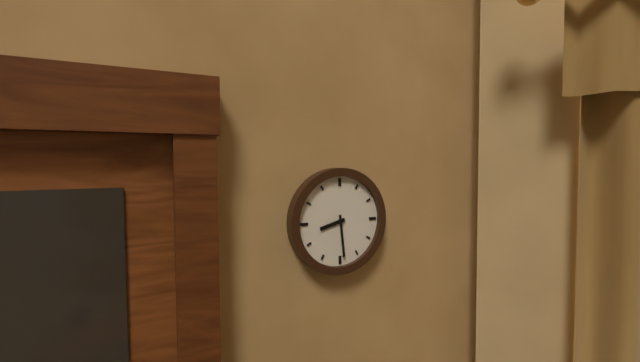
8:29
